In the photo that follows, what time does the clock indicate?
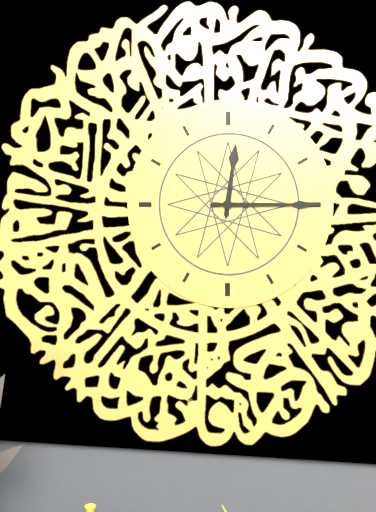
12:15
